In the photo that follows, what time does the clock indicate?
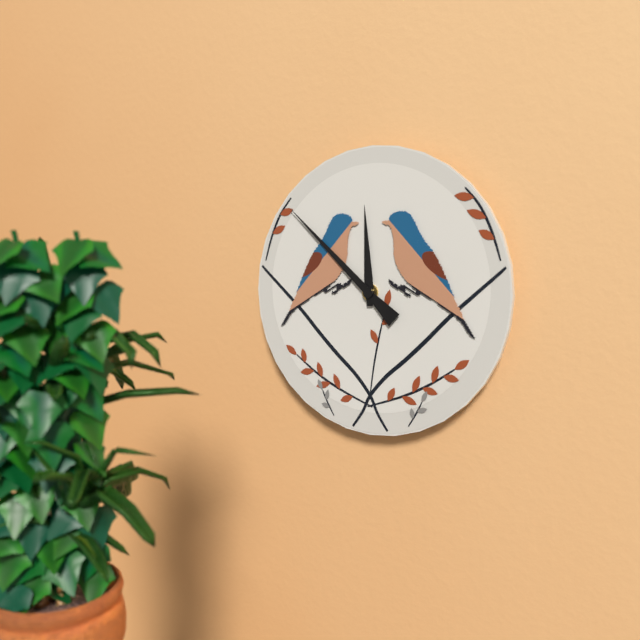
11:52
